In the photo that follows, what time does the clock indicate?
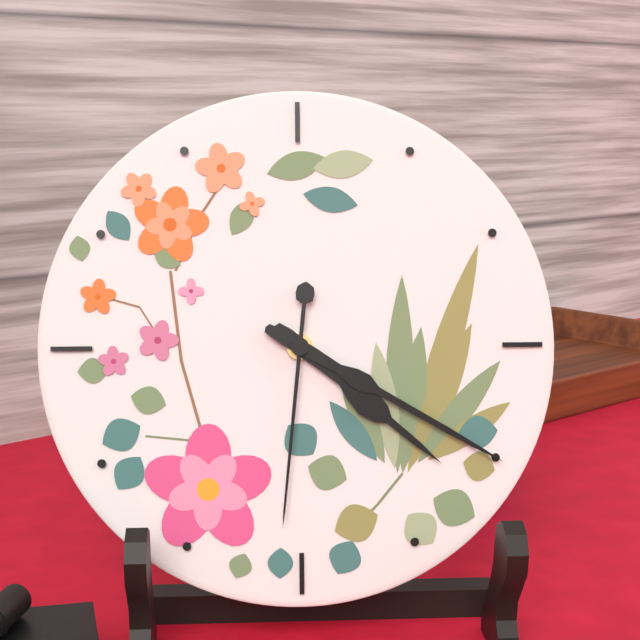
4:20:31
